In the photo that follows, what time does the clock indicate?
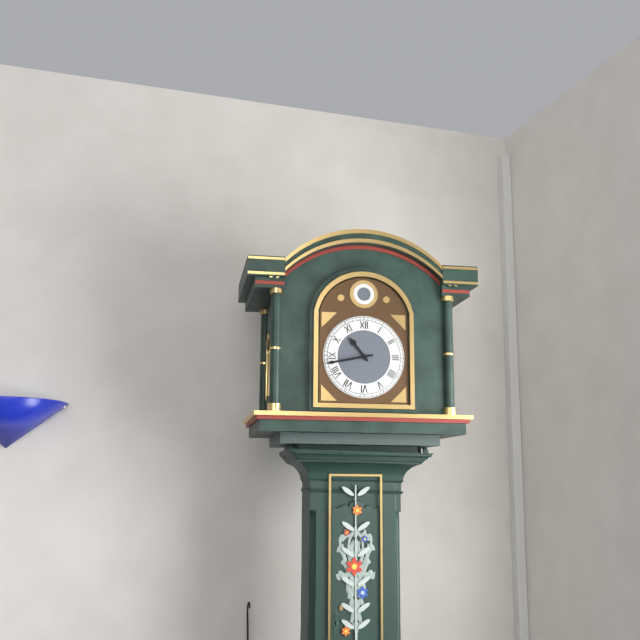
10:43
